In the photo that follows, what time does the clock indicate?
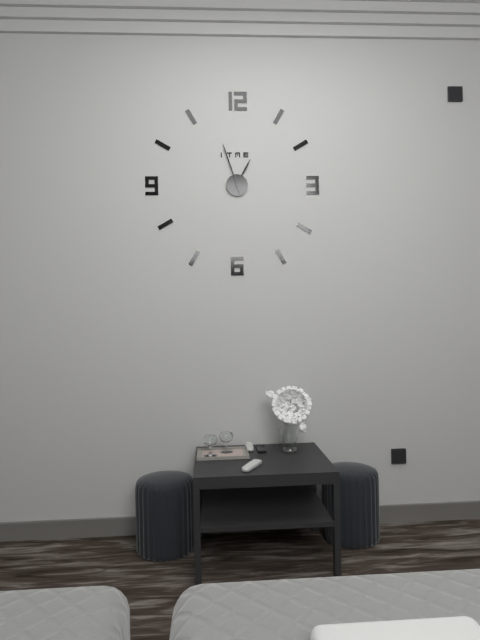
12:57
